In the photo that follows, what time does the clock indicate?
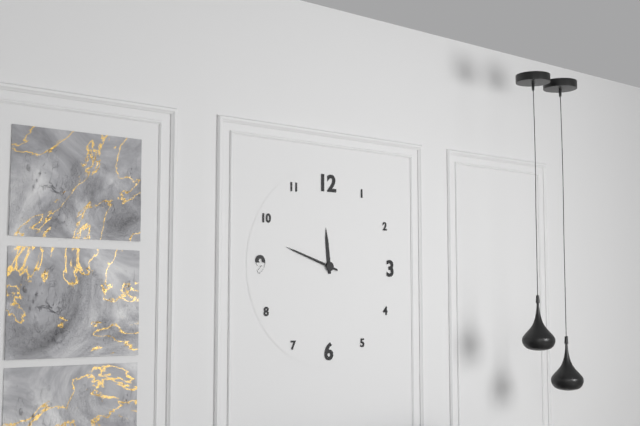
11:48
